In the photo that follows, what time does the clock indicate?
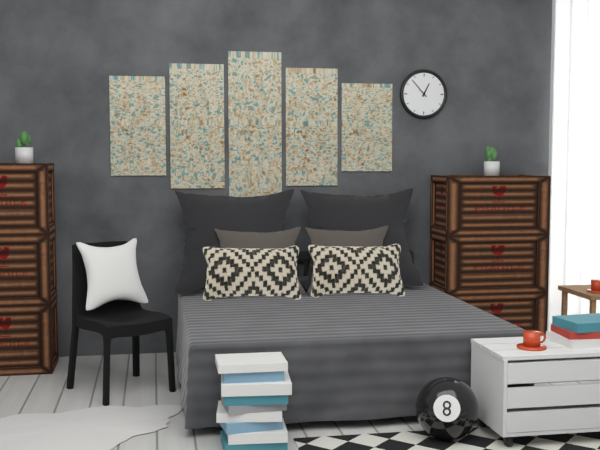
12:53
